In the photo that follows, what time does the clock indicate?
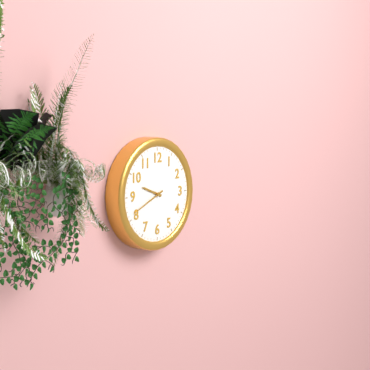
9:41
